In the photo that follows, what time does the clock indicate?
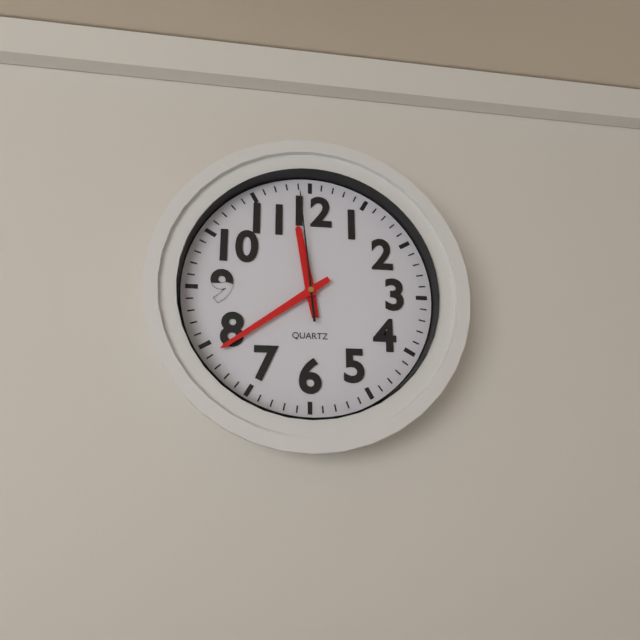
11:39:59
